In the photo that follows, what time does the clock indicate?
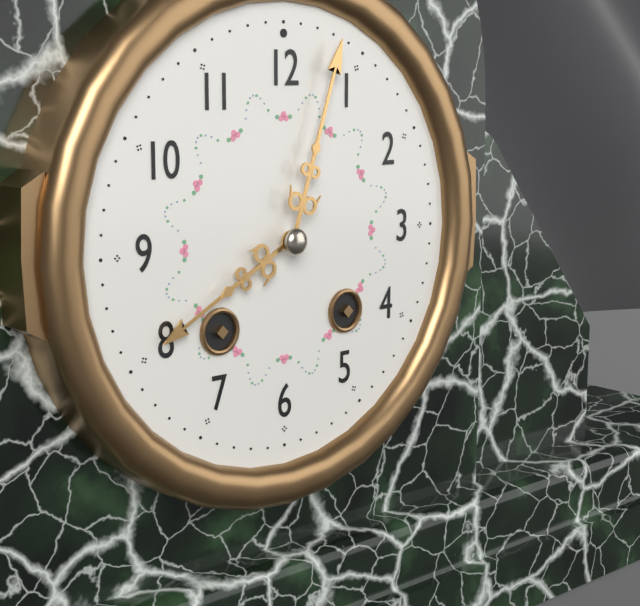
8:03
